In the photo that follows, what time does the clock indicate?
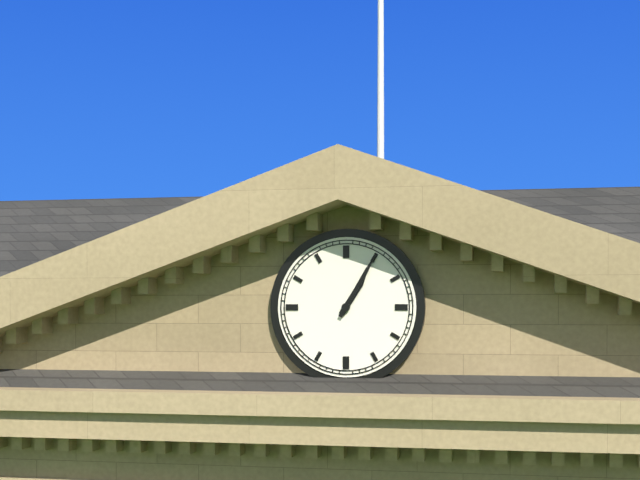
1:05
